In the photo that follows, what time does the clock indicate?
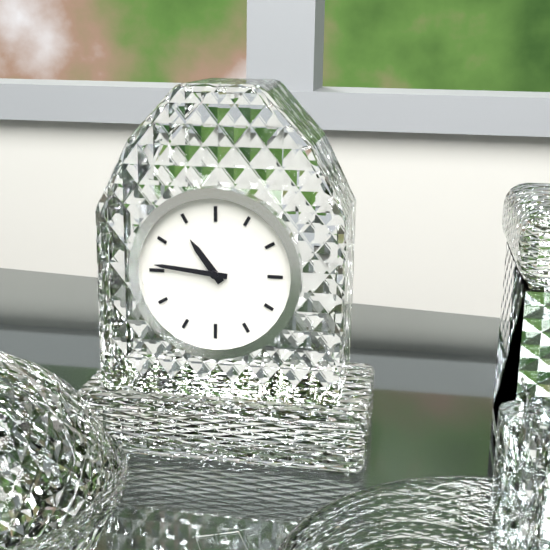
10:46
